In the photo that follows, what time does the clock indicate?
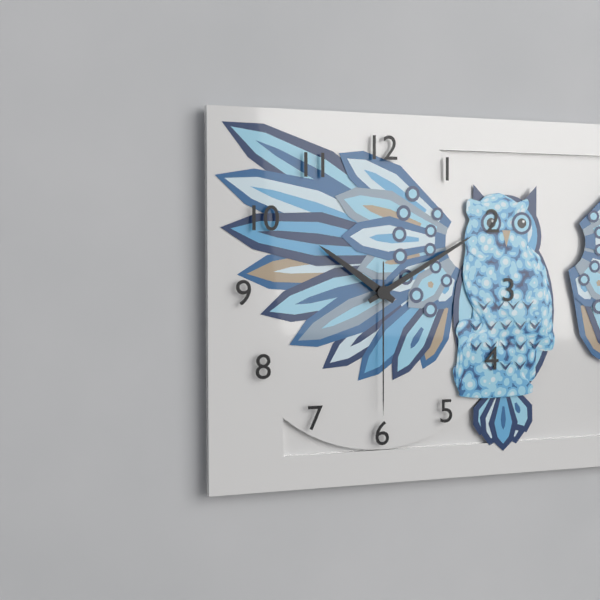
10:10:30
